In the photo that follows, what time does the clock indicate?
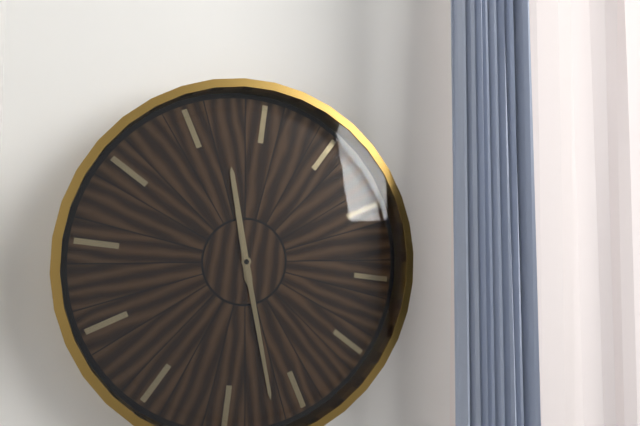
11:27
